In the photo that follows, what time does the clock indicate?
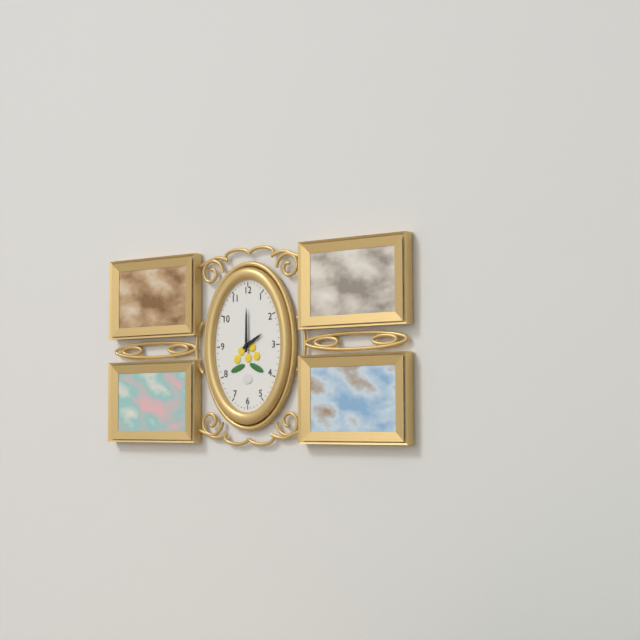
2:00
